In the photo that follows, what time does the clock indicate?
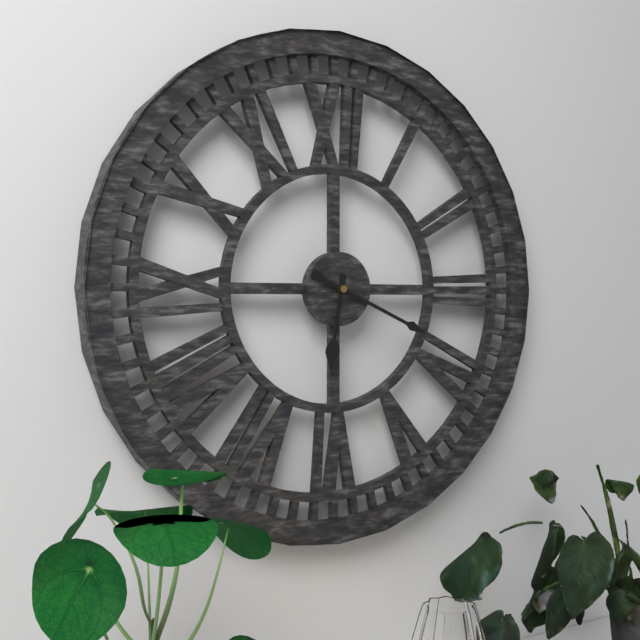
6:19
